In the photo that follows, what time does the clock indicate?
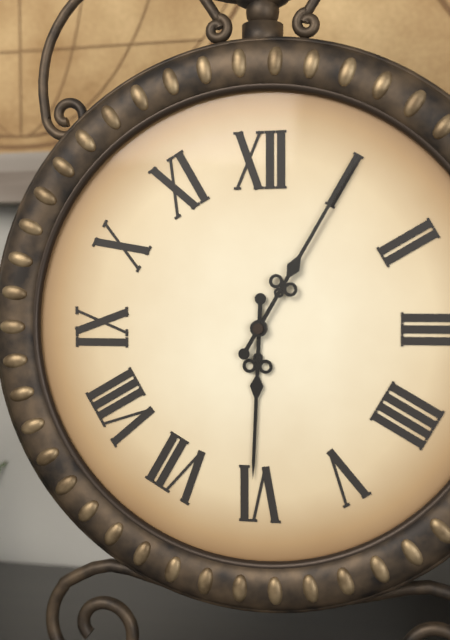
6:05
